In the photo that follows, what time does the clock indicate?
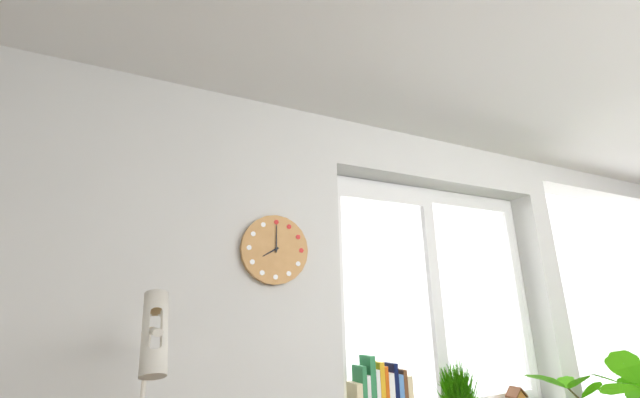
8:00
